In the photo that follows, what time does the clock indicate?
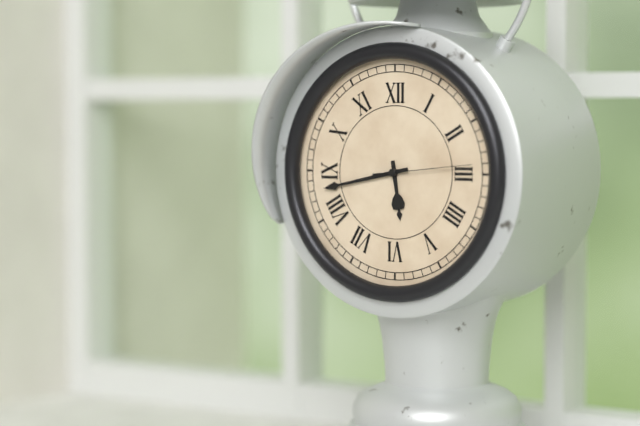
5:43:14
